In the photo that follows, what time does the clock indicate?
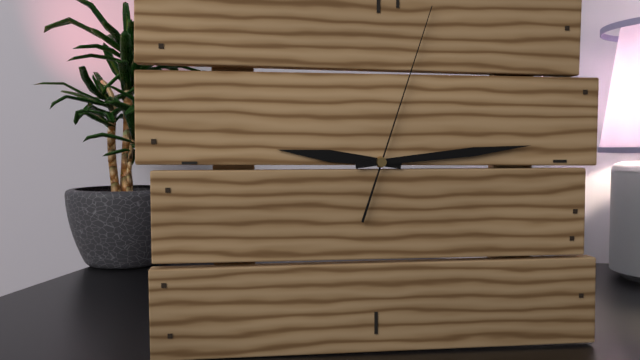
9:14:03
